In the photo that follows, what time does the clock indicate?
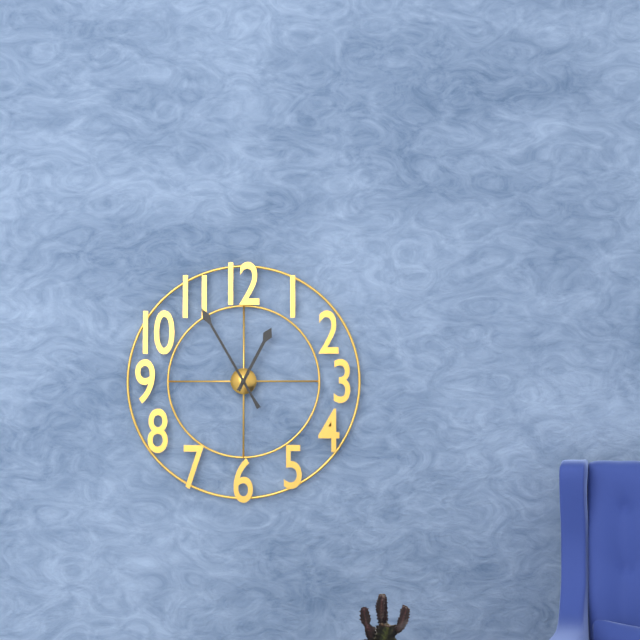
12:55
